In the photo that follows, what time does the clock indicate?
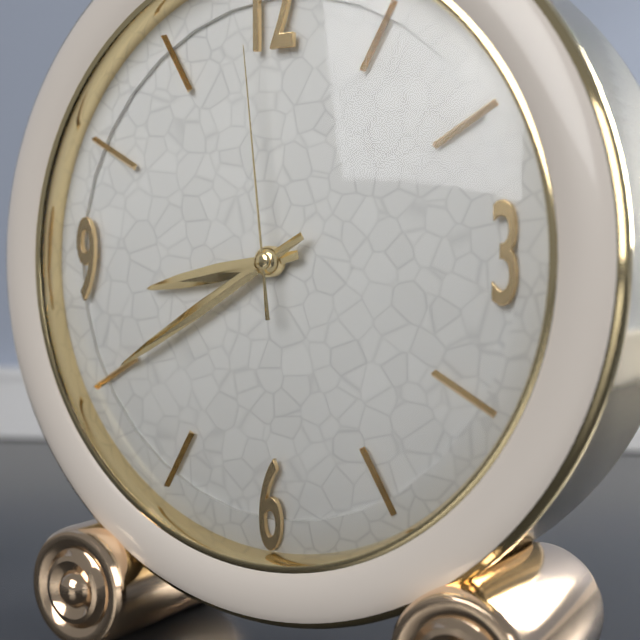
8:40:59
